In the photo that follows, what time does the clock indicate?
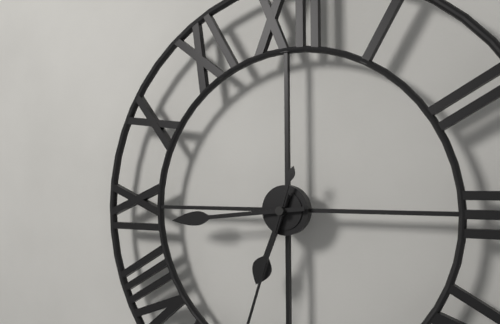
6:44
